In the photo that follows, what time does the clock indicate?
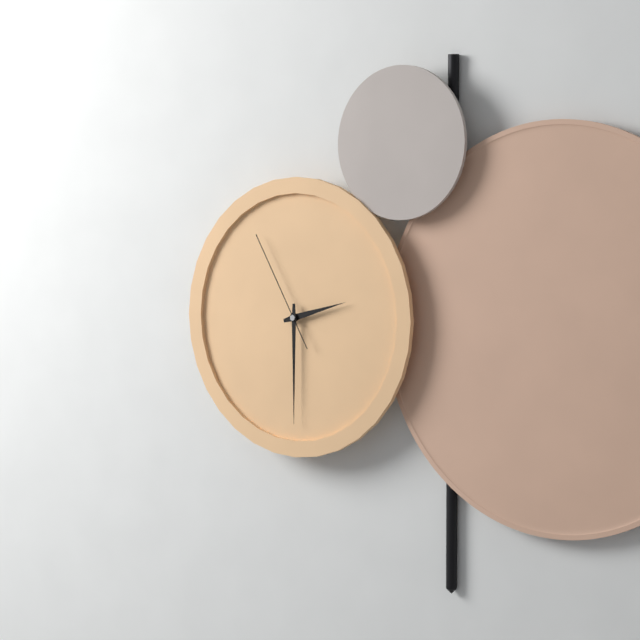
2:30:55
